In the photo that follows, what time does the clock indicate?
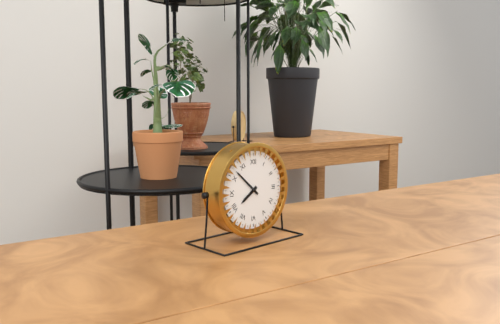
7:52
